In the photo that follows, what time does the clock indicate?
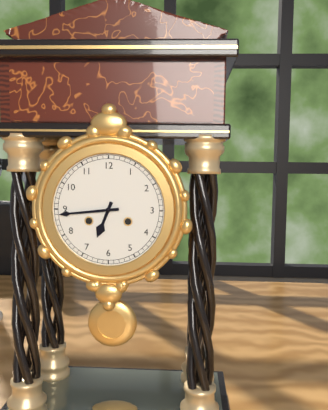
6:44
